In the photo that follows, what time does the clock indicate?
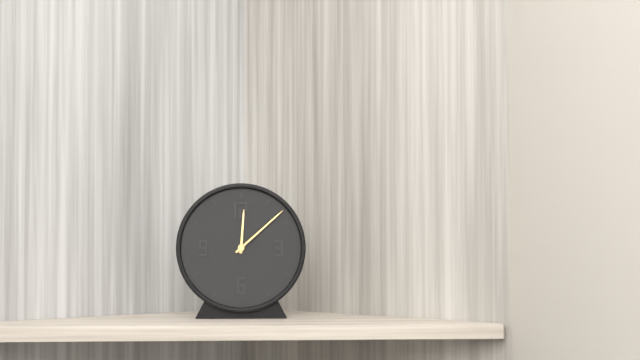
12:08
